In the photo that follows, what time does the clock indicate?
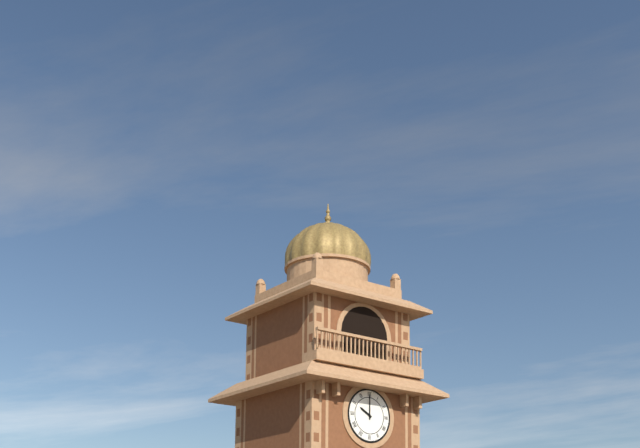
10:00
